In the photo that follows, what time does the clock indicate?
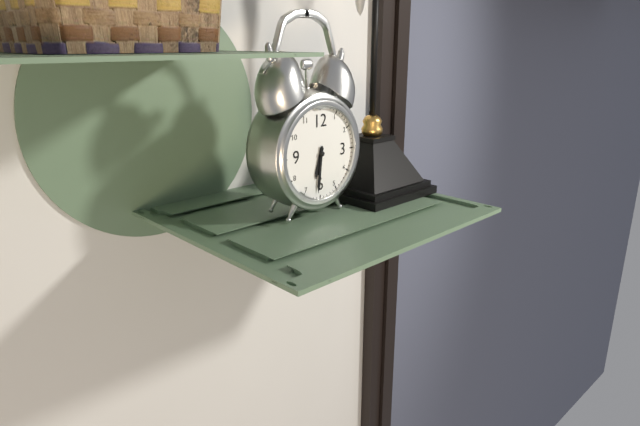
6:31
